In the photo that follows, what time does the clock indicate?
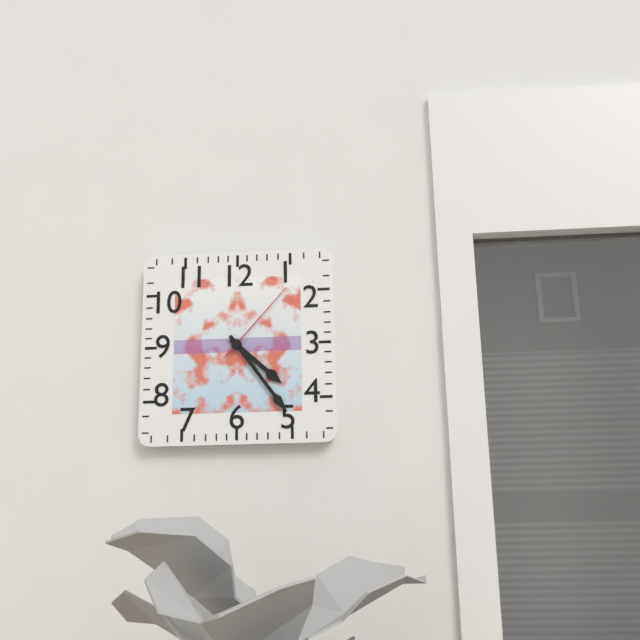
4:24:07
